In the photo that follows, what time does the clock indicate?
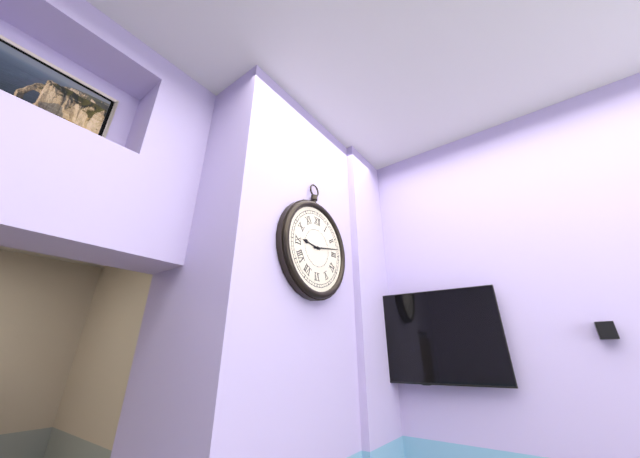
9:13
